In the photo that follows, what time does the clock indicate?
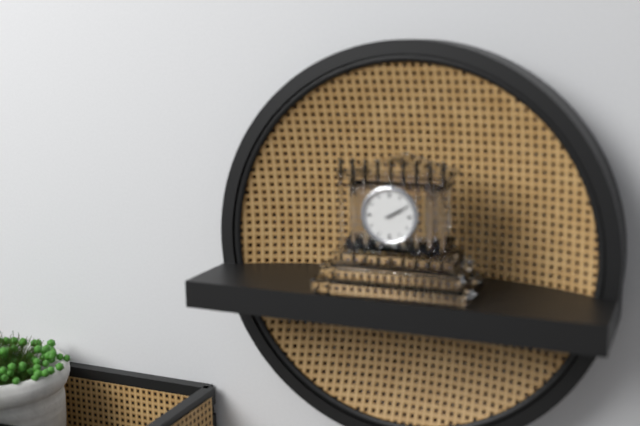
2:10
